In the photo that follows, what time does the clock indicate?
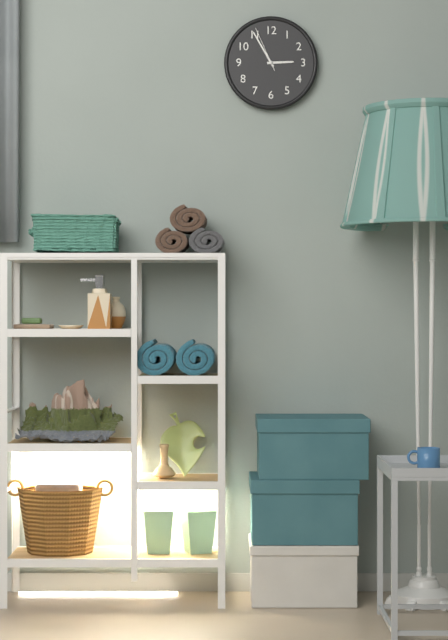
2:55
